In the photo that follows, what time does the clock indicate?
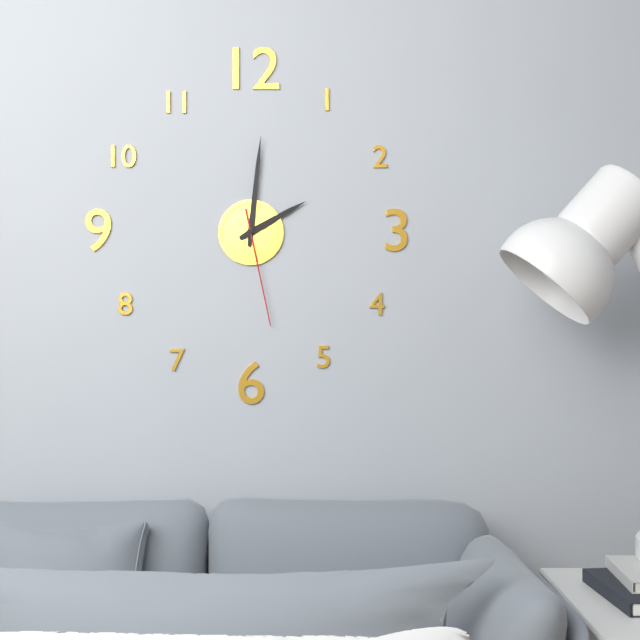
2:01:28
